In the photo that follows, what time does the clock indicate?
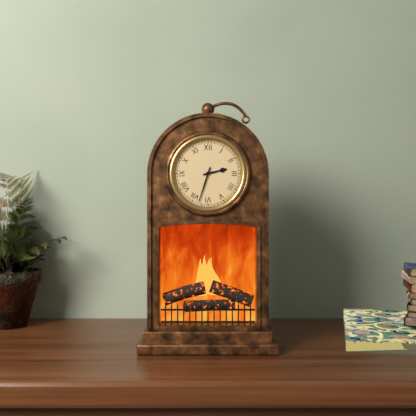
2:33
